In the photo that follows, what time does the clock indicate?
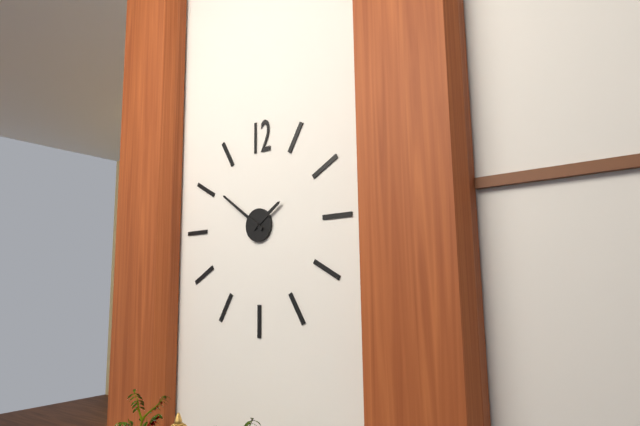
1:51
